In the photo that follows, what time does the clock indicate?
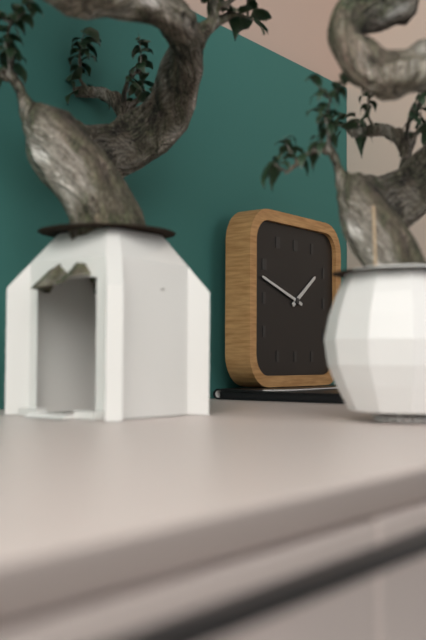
1:48
